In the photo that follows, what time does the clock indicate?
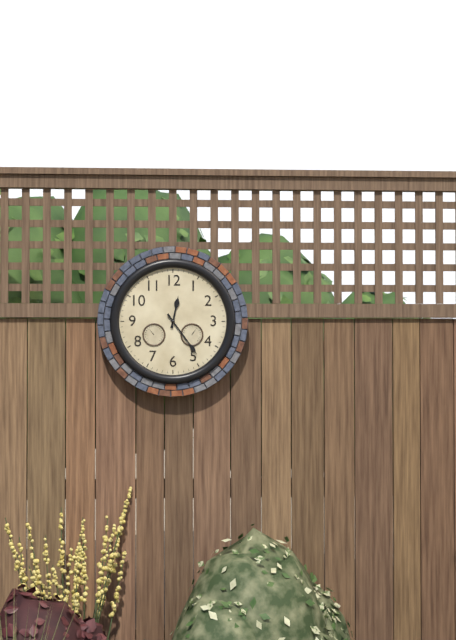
12:24
